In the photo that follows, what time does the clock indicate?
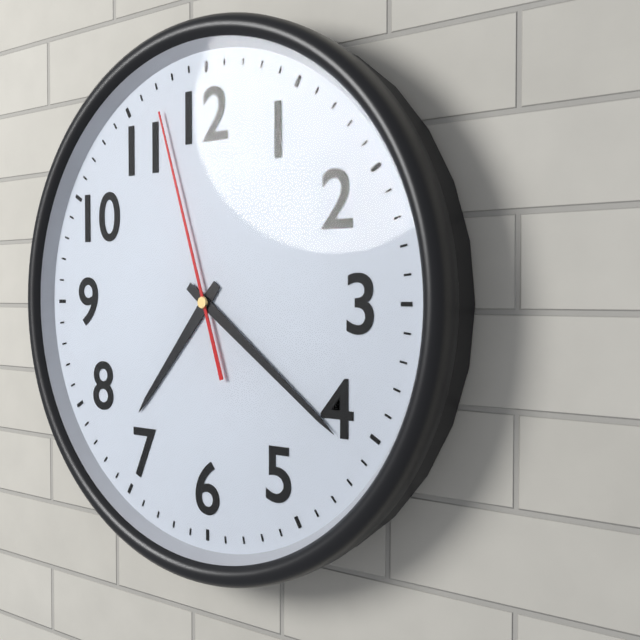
7:21:57
